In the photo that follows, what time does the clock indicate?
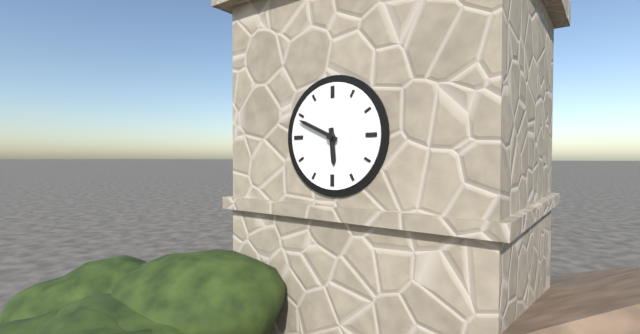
5:49
